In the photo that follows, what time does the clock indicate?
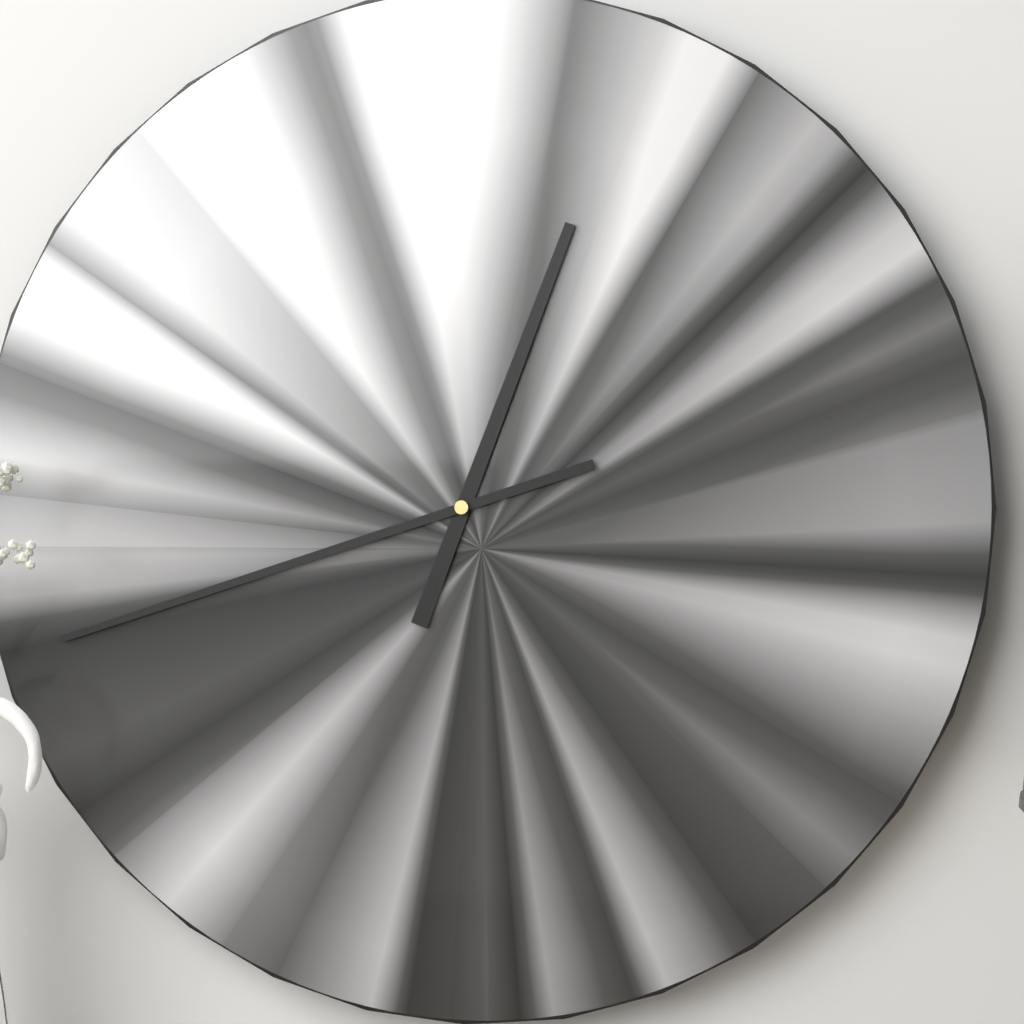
12:42
